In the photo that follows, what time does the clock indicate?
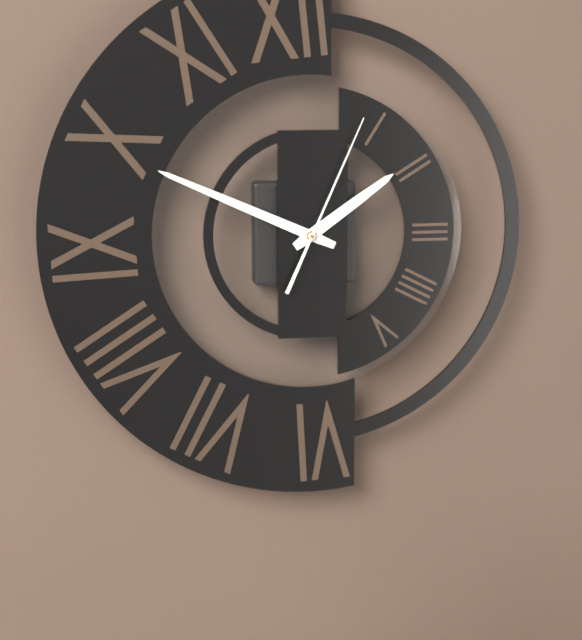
1:49:04
